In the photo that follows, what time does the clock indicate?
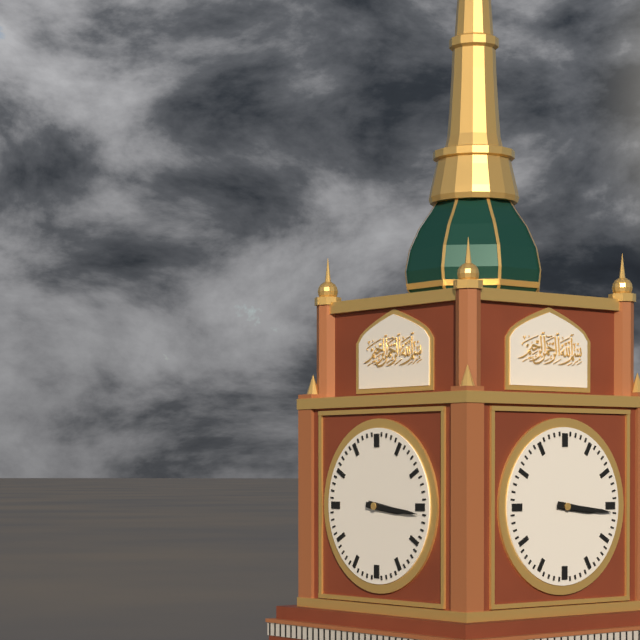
3:16
